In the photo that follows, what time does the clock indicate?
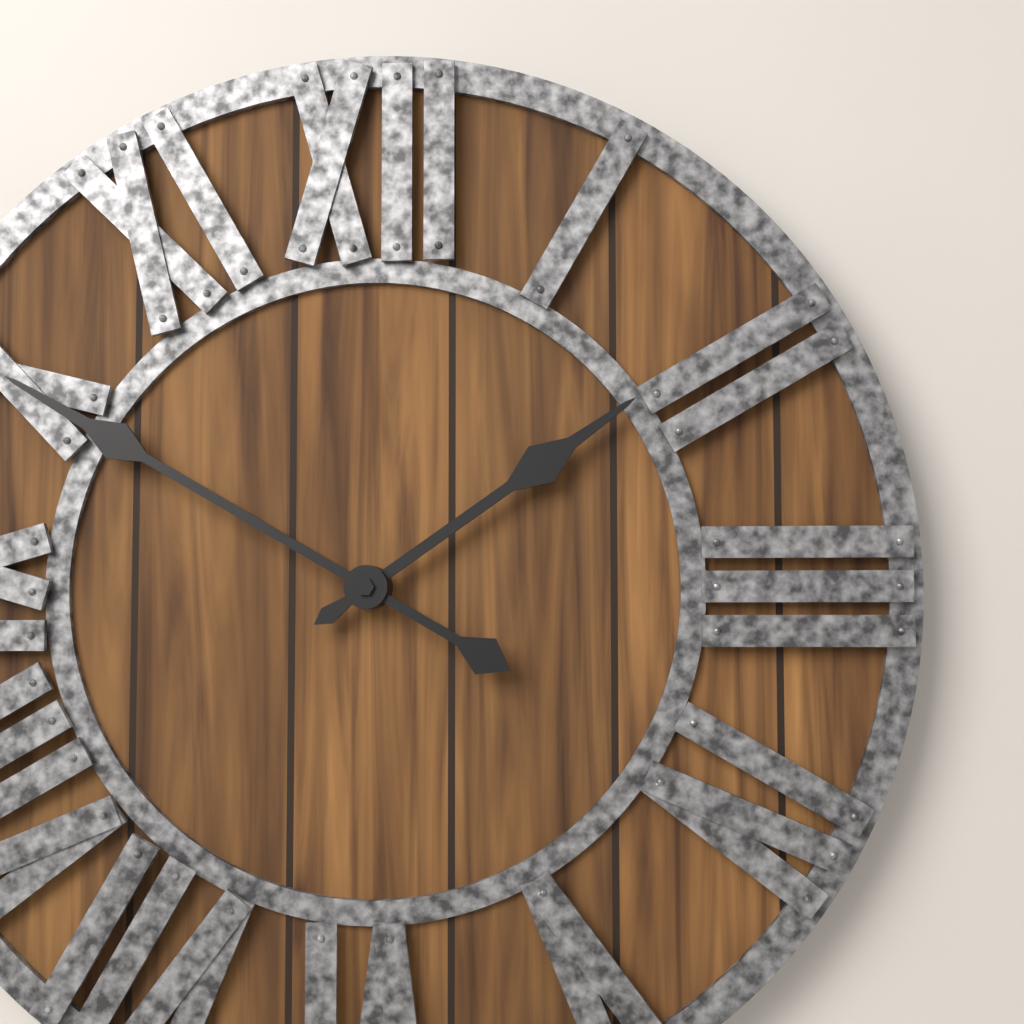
1:50
